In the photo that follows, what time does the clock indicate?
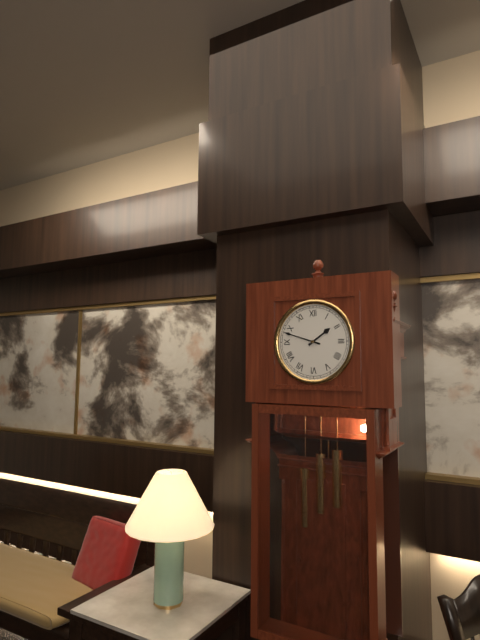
1:48
